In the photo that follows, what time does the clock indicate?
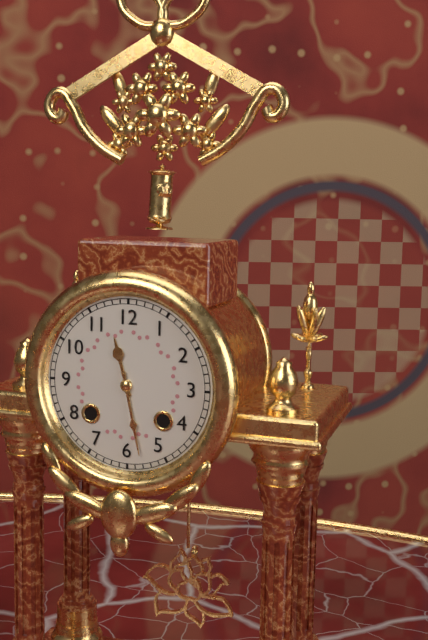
11:28
